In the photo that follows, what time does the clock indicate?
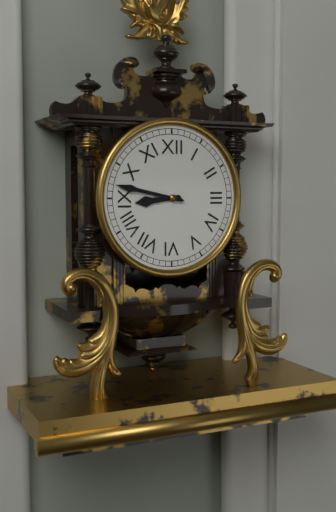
8:47
